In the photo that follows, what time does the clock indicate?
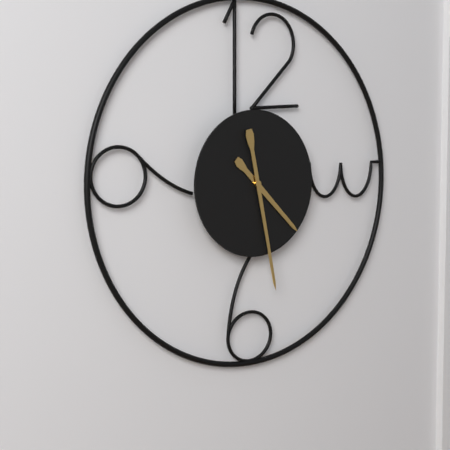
4:28
